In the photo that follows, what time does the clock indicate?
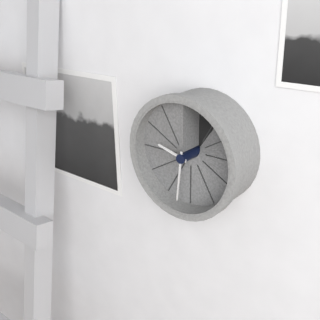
9:31
